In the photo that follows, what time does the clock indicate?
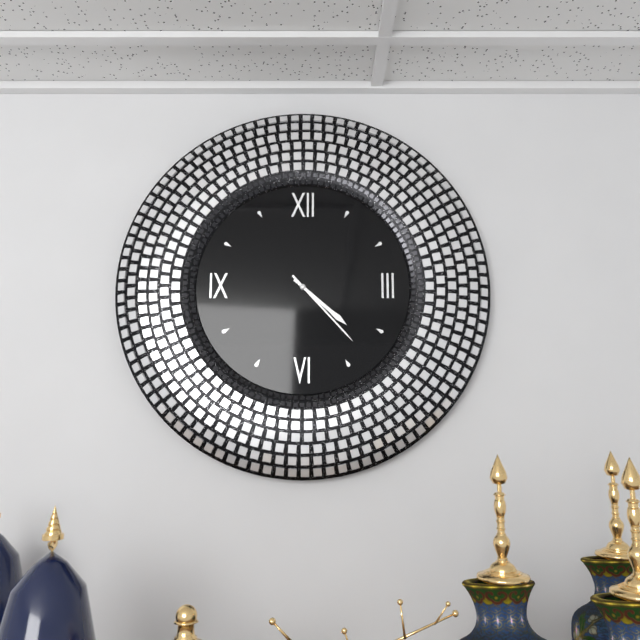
4:23
